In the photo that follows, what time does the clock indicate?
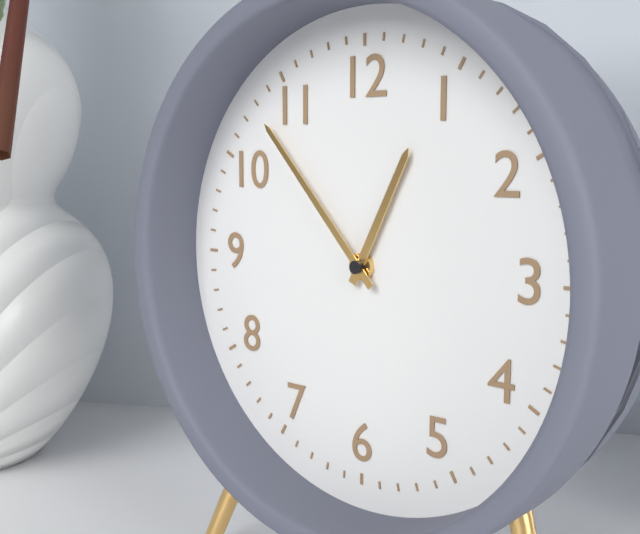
12:53
